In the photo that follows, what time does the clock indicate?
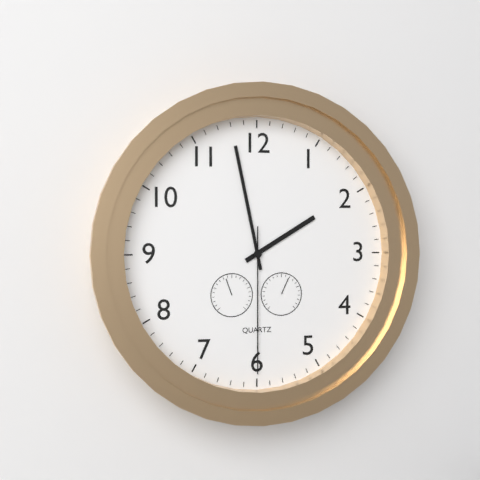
1:58:30
